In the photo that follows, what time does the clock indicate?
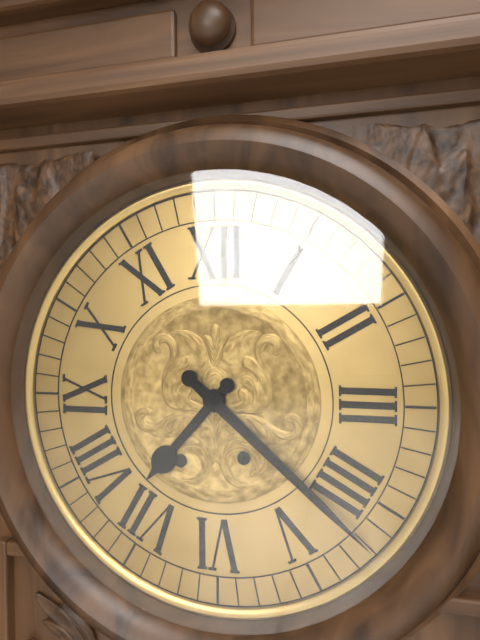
7:22
